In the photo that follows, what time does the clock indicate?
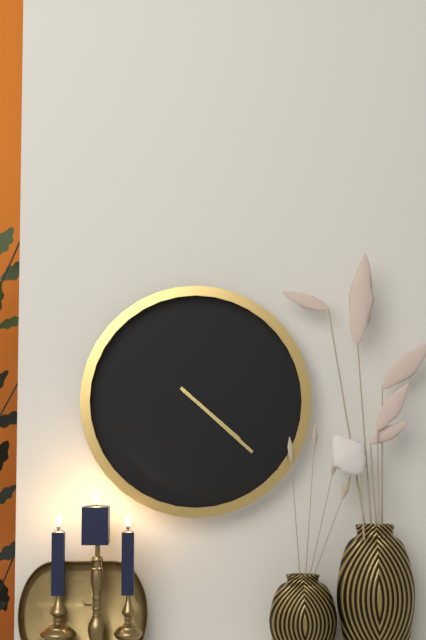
4:22
